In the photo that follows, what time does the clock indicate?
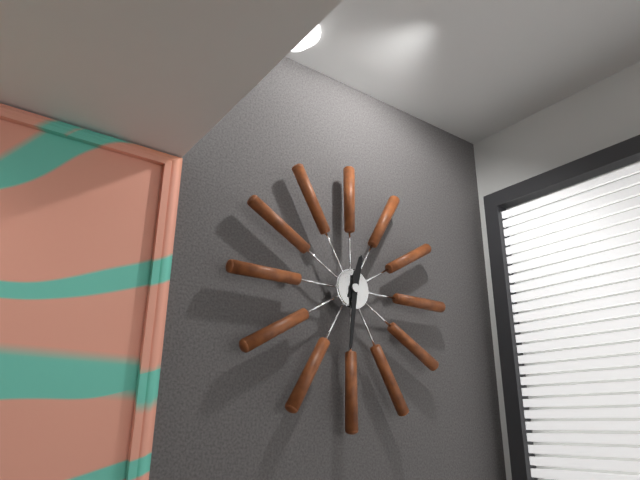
12:31
